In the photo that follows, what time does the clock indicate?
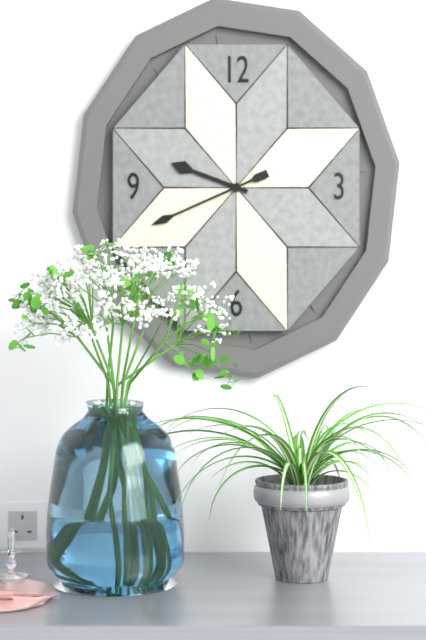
9:41
